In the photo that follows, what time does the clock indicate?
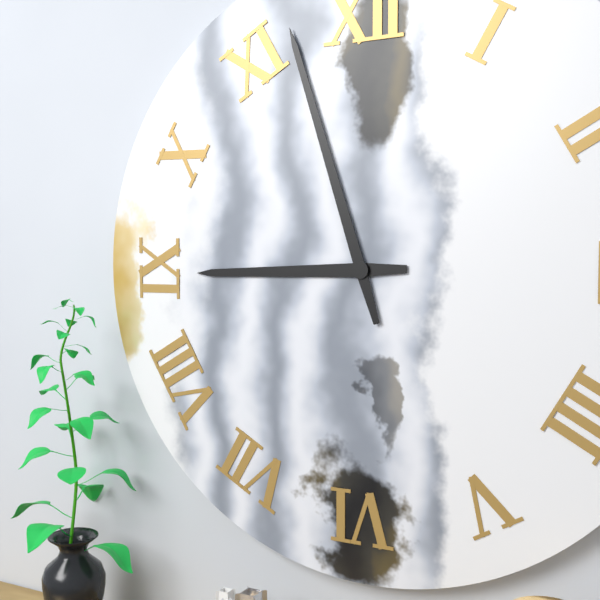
8:57
